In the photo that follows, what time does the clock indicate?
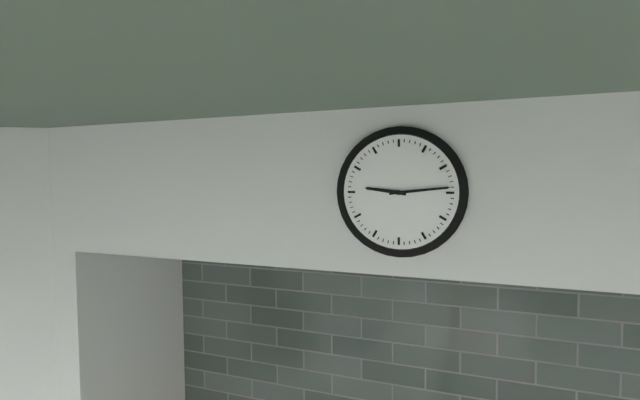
9:14
